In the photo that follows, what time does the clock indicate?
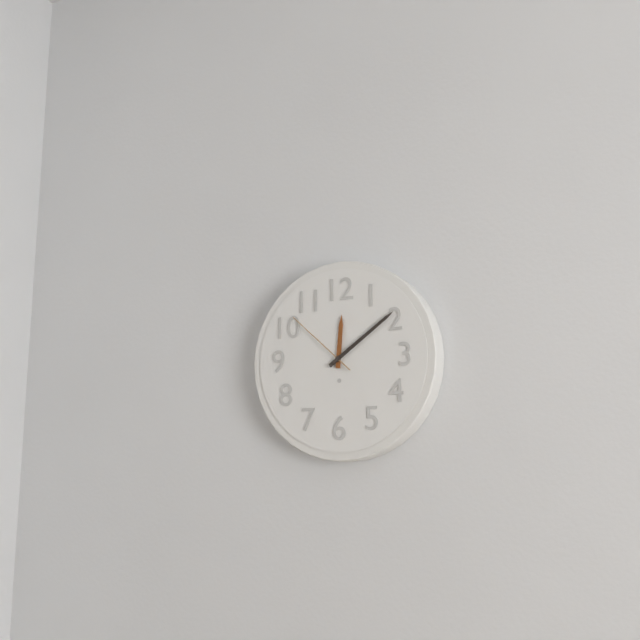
12:09:52
